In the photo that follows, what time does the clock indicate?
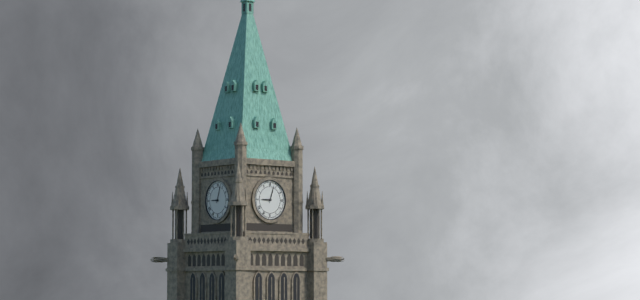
9:03
